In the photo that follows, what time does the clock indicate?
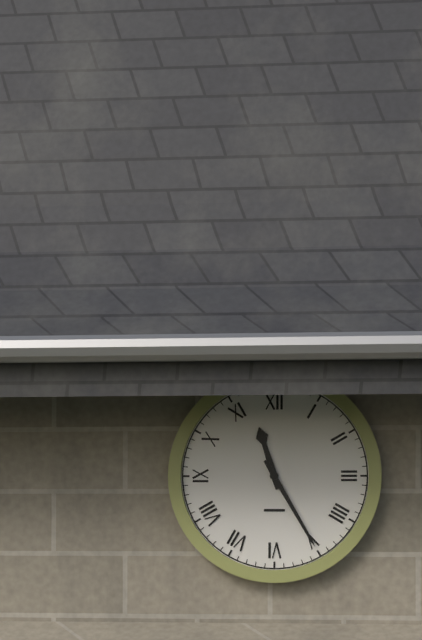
11:25
